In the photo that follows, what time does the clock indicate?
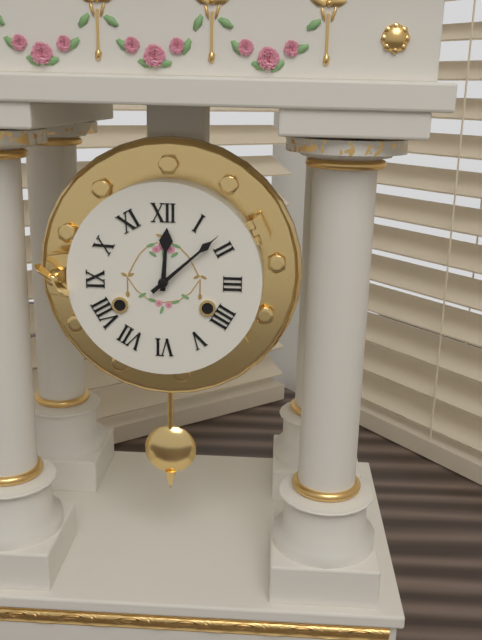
12:08
